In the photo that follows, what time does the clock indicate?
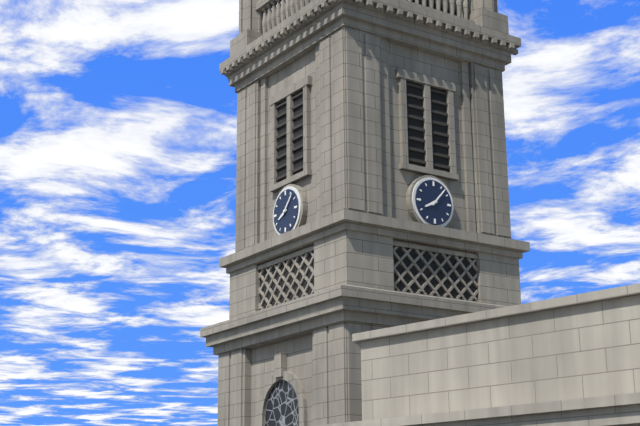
8:07
